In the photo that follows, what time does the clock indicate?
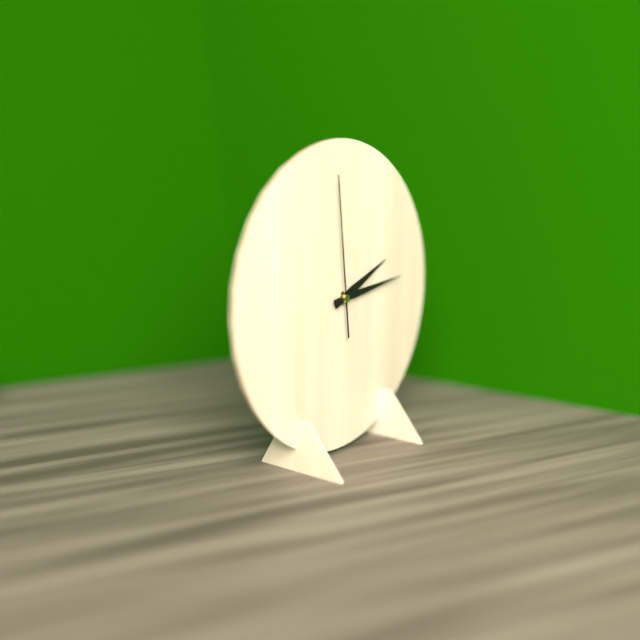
2:14:59
